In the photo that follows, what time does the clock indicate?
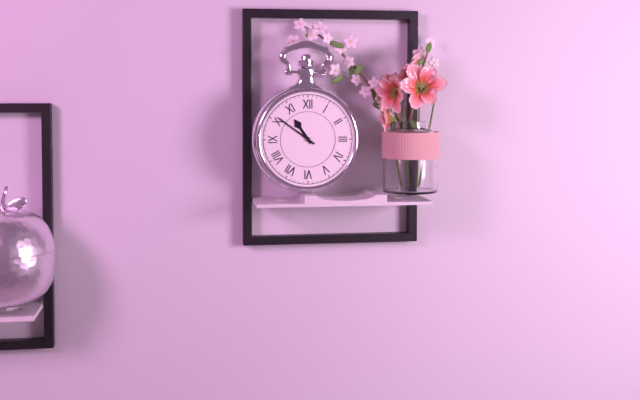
10:51
